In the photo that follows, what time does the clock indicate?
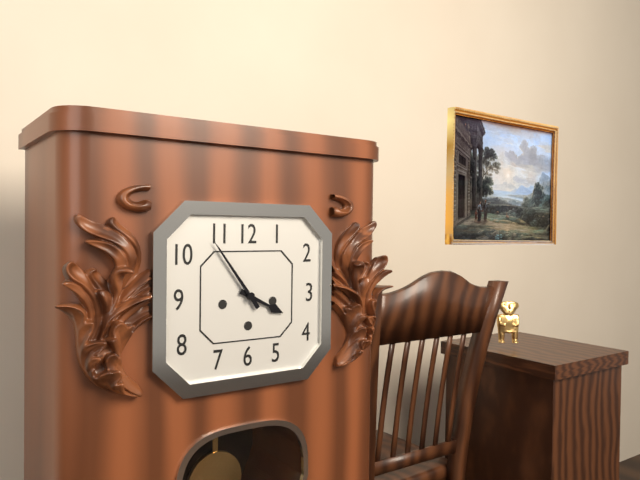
3:54
